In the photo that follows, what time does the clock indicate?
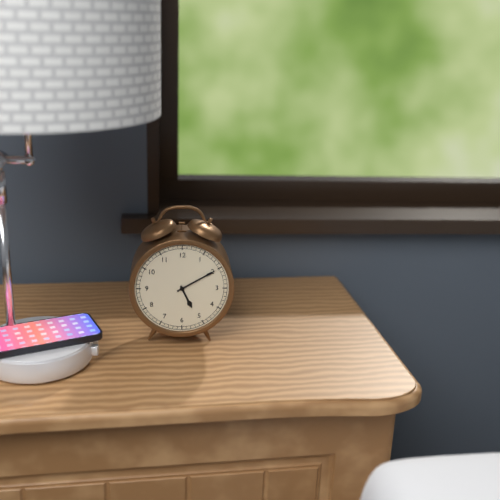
5:10
